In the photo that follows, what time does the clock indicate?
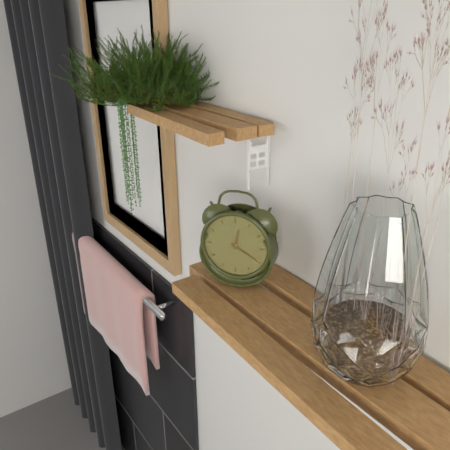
12:20
